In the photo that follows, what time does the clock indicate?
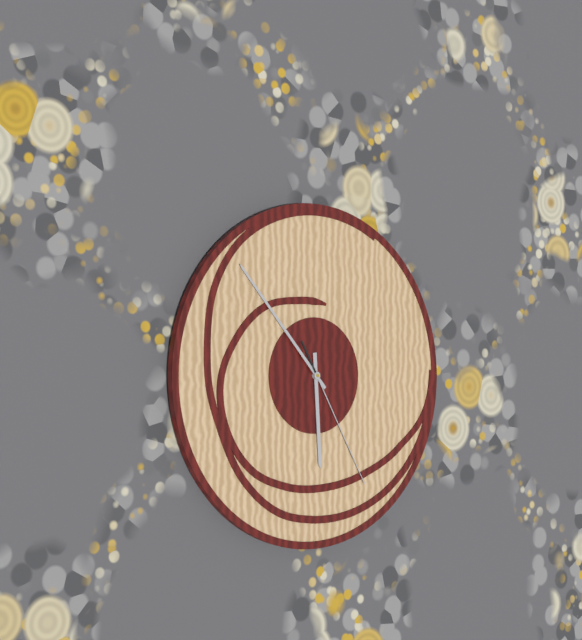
5:53:25
